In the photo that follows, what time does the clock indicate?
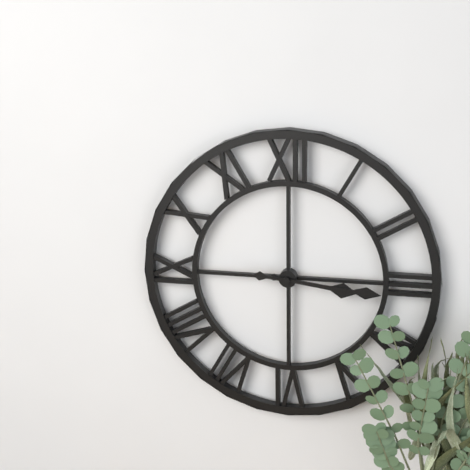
3:16
